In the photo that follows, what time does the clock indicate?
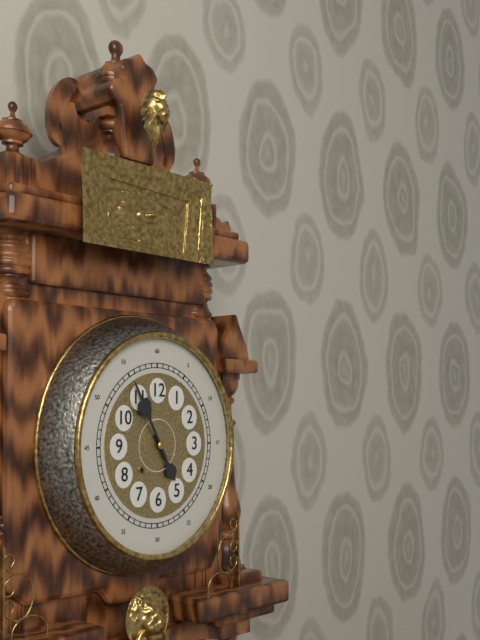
4:55
